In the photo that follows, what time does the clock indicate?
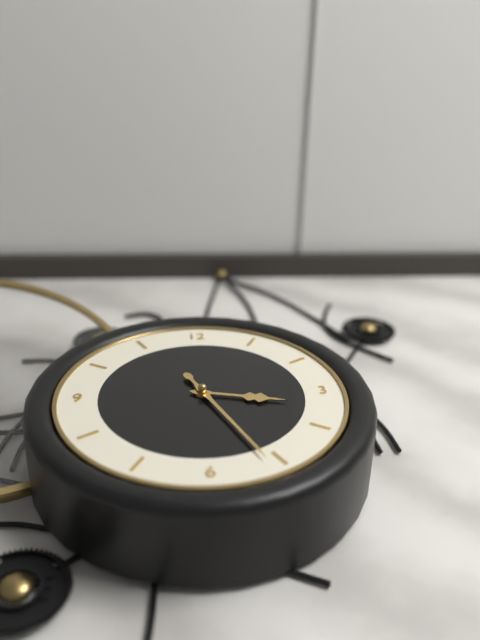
3:26
